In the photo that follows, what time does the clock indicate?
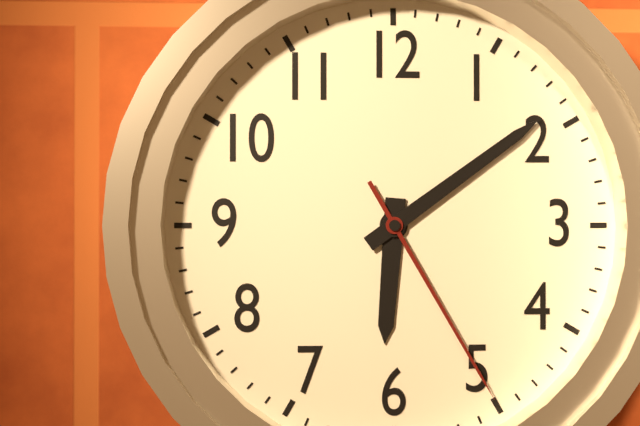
6:09:25
